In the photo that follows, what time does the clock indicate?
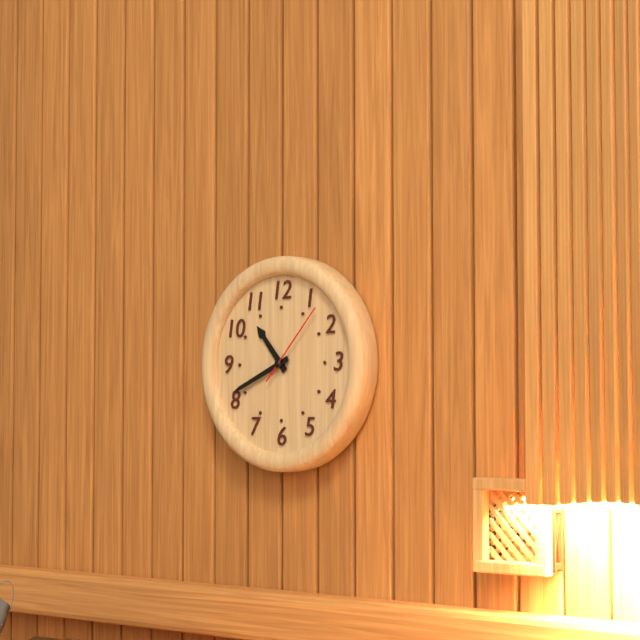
10:41:07
